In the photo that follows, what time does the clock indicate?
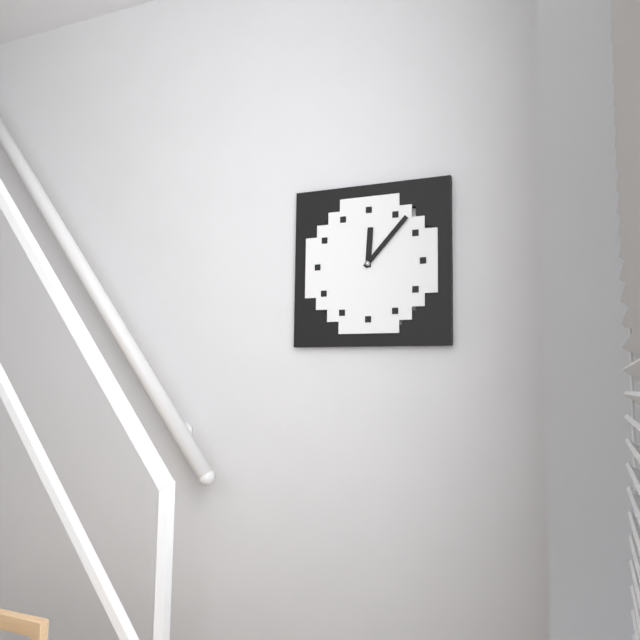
12:07
